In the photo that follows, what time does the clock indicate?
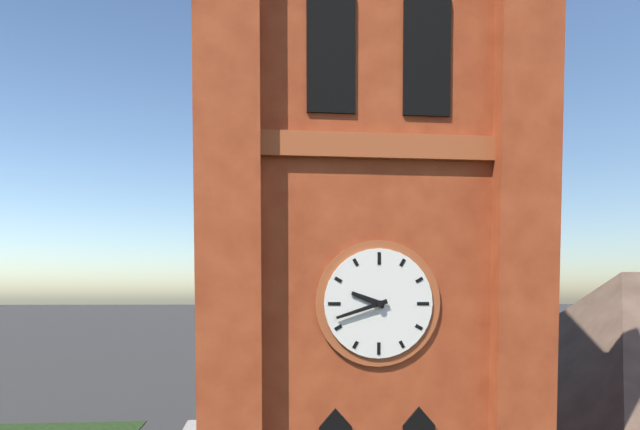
9:42
